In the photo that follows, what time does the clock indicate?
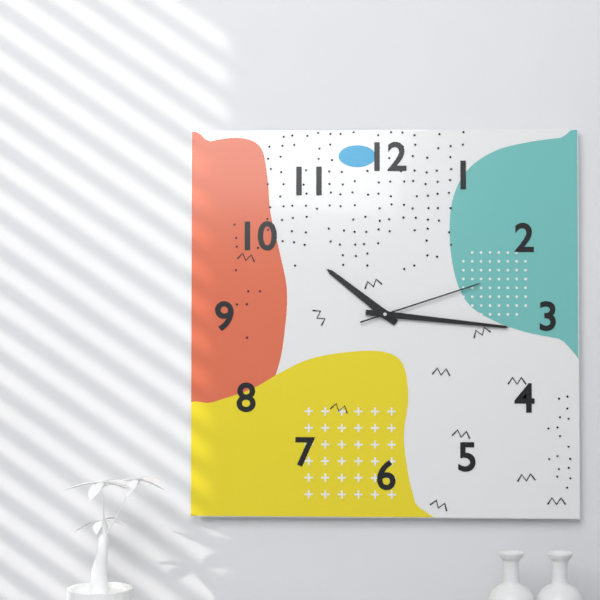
10:16:12
